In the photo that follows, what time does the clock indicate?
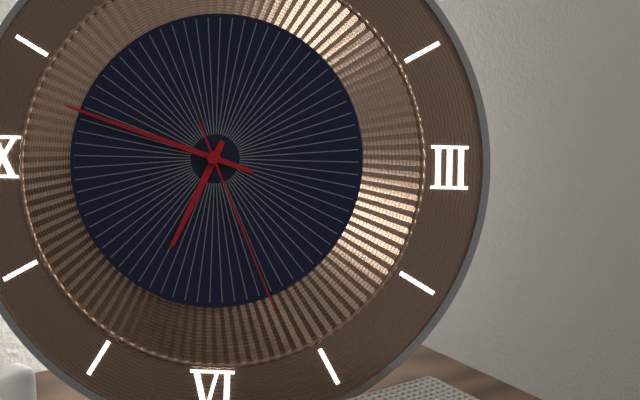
6:48:26
